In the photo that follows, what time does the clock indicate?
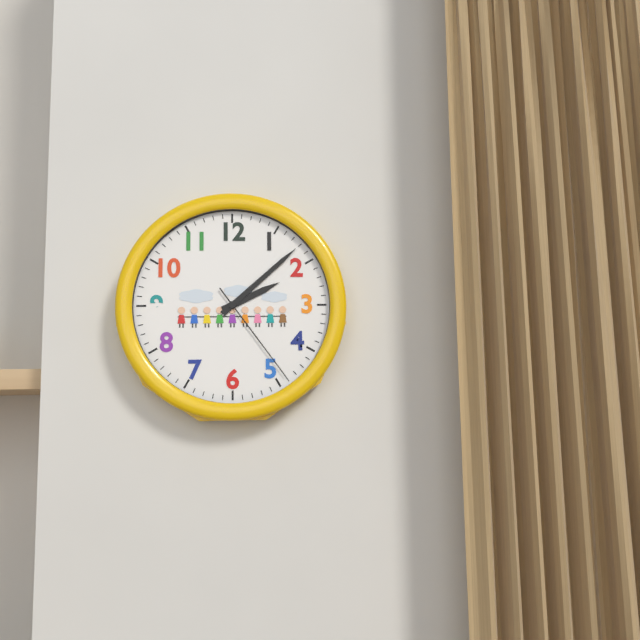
2:08:24
